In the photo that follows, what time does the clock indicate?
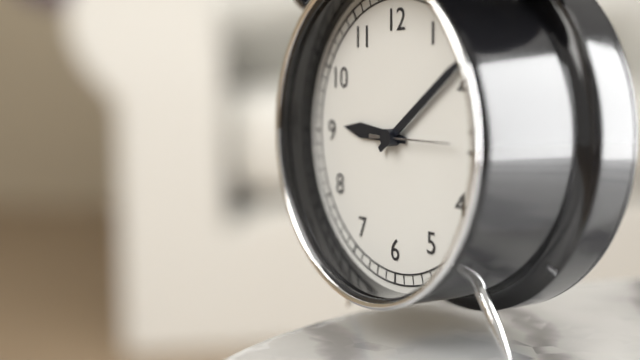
9:09:15
